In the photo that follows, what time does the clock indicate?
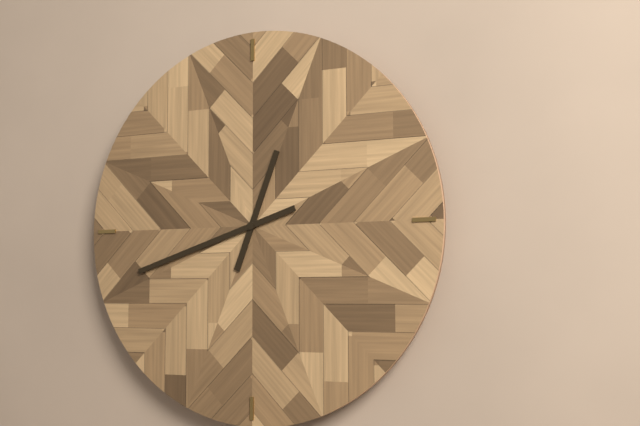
12:42
